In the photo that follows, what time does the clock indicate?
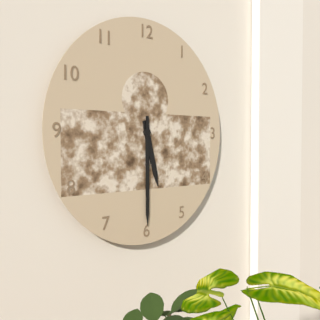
5:30
